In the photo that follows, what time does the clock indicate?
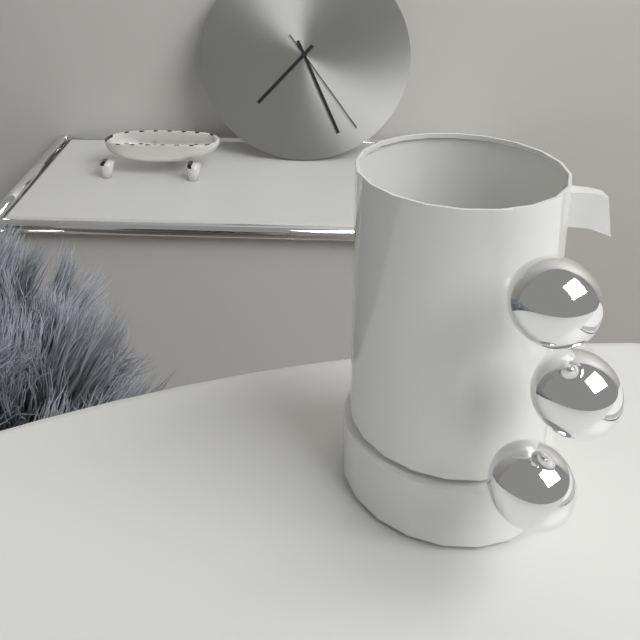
7:26:24
